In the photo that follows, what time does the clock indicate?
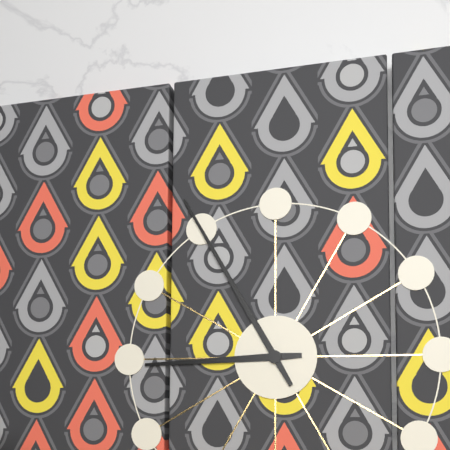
8:55
